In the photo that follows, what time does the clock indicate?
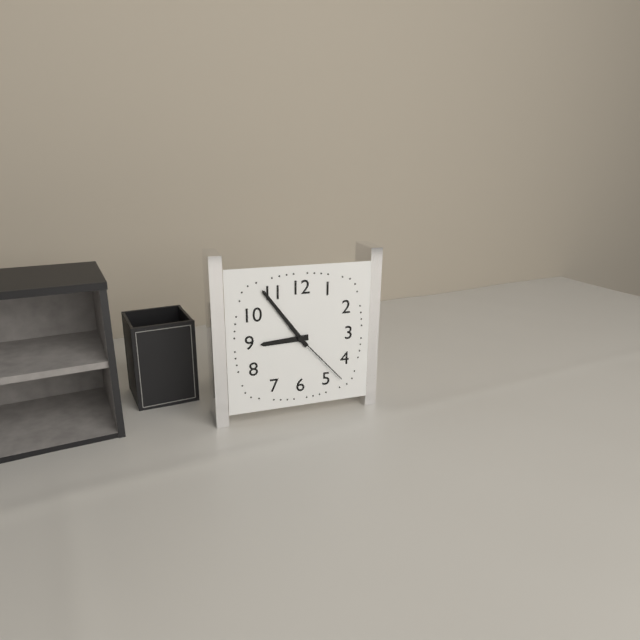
8:54:23
